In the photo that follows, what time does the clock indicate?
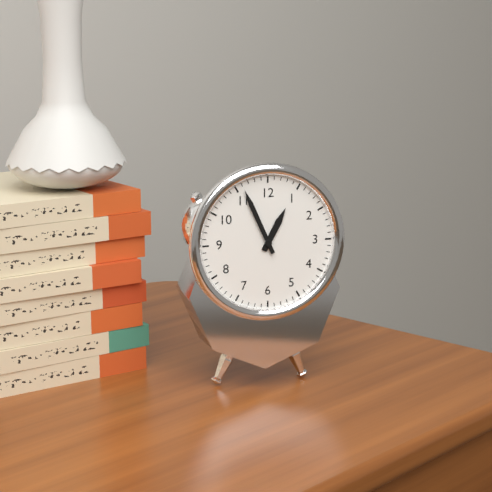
12:56
